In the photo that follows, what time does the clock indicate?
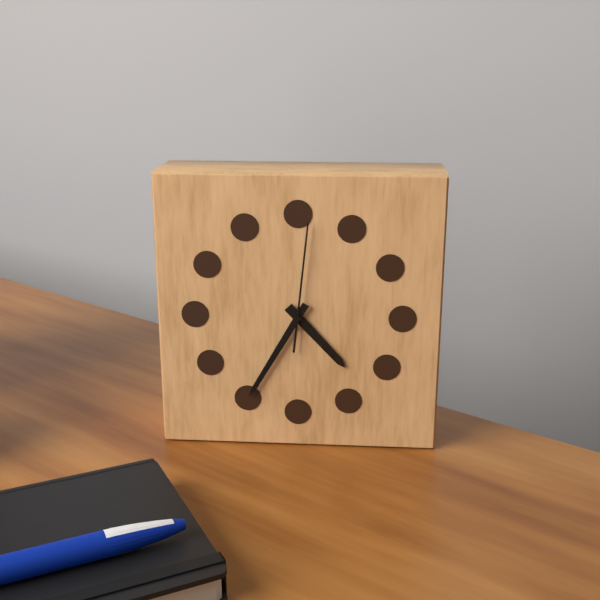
4:35:01
